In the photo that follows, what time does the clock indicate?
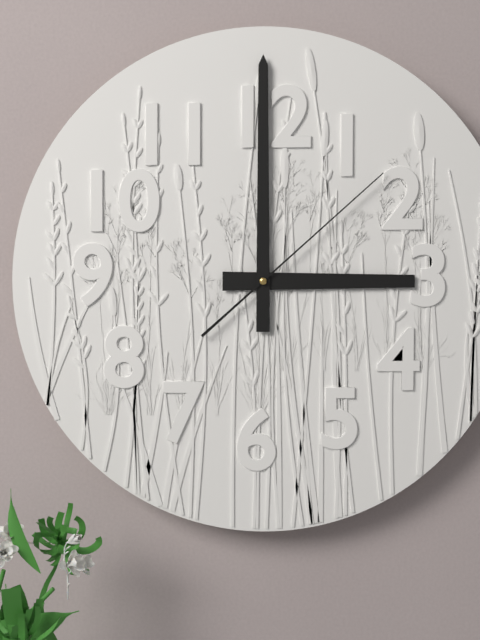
3:00:08
